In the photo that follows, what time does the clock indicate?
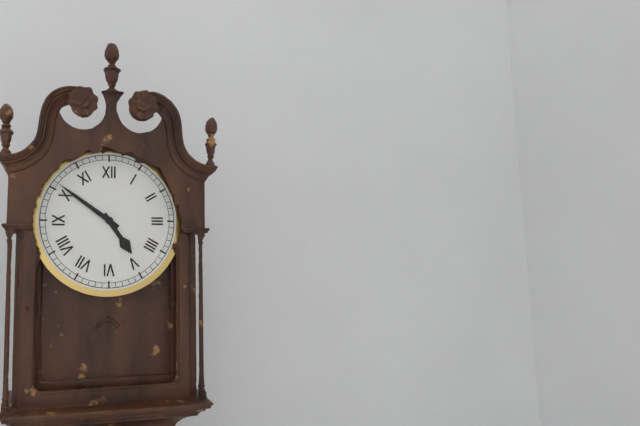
4:51
